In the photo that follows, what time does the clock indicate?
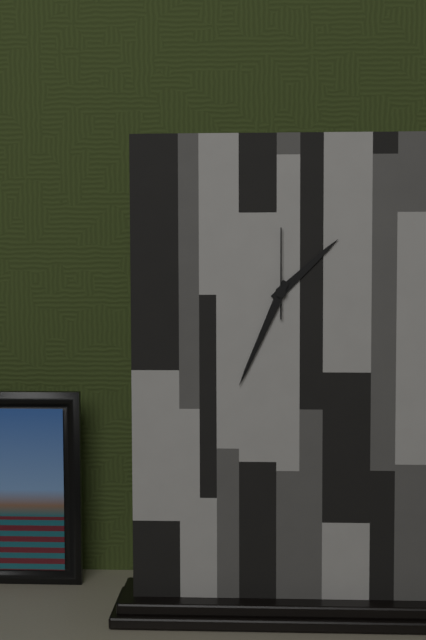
1:34:00
